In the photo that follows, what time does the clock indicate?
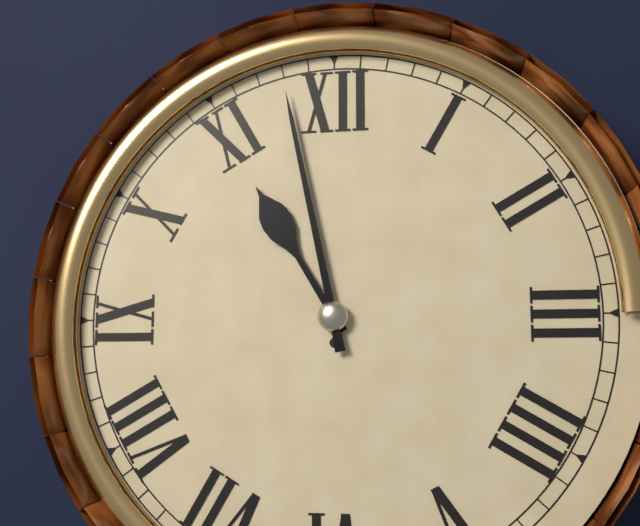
10:58
